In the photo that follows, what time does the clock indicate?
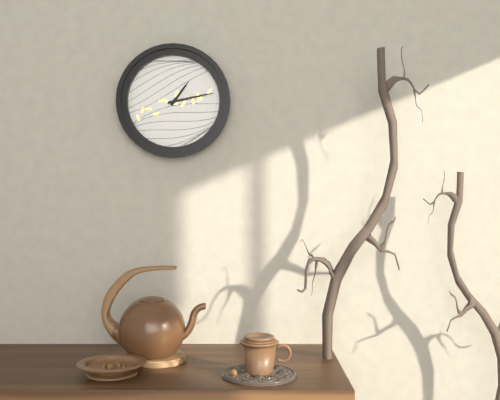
1:13
